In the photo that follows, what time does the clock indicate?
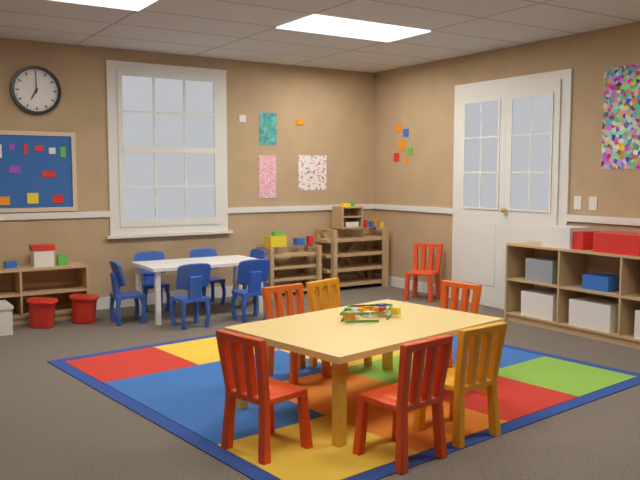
7:00
